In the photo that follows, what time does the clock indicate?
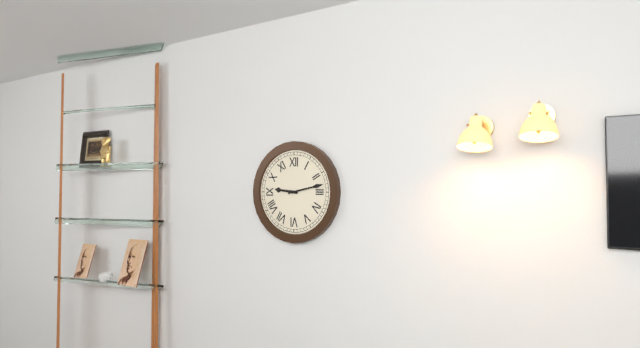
9:13
